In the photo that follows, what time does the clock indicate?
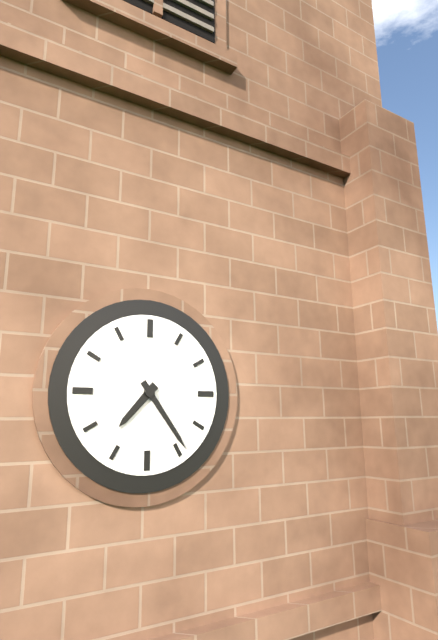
7:24
